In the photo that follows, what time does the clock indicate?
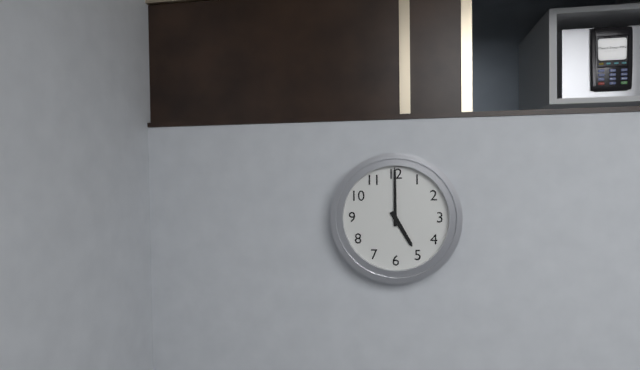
5:00
